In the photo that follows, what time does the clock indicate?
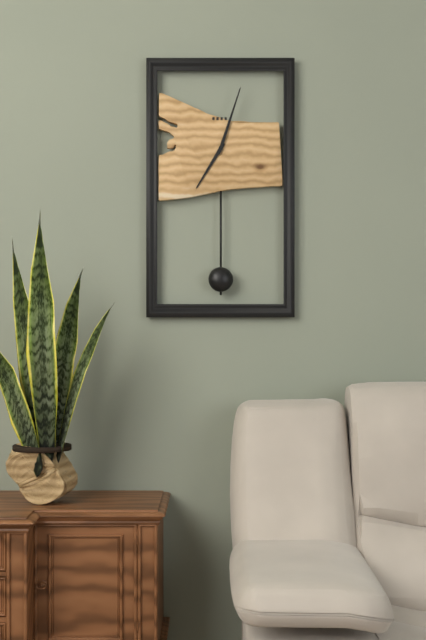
7:03
